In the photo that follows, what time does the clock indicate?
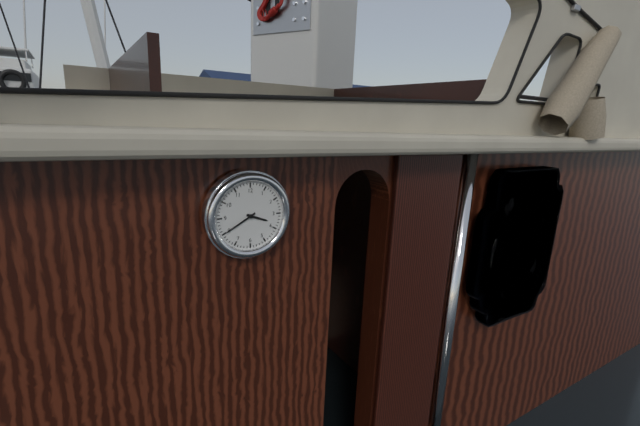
3:40
